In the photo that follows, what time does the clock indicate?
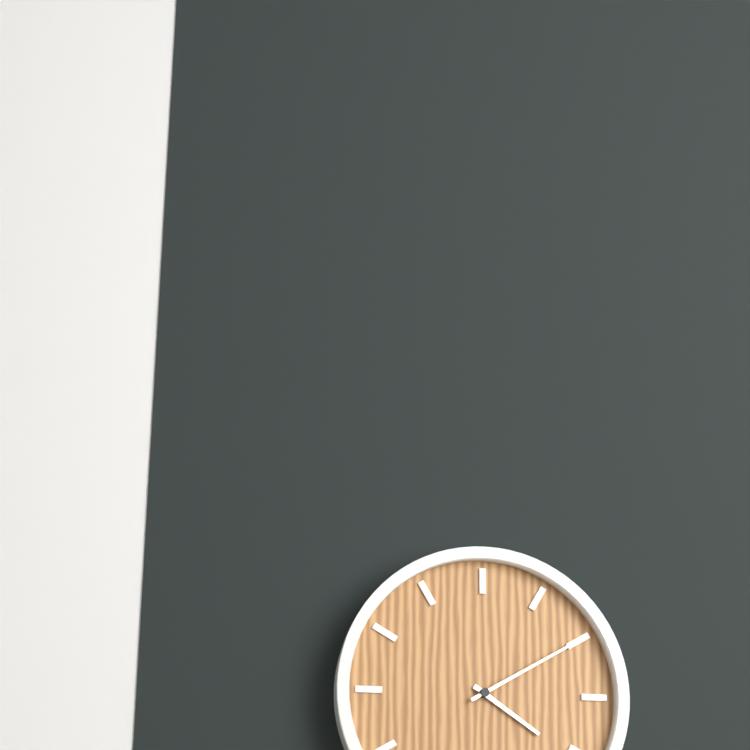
4:10
